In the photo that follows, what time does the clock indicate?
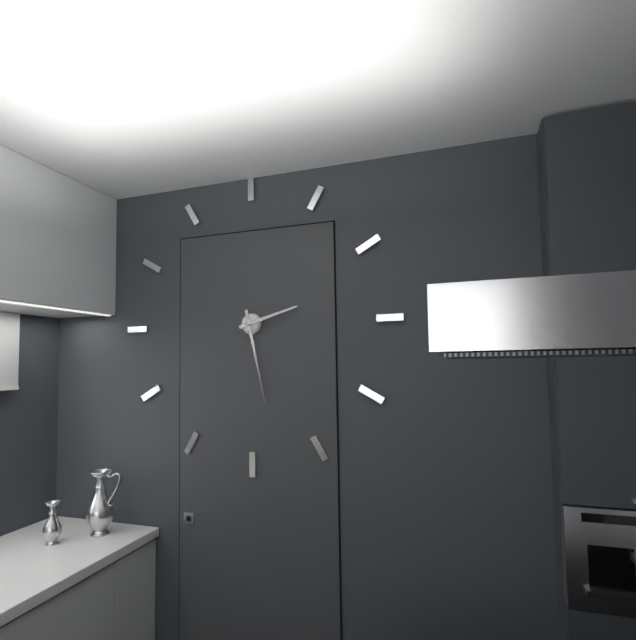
2:28
